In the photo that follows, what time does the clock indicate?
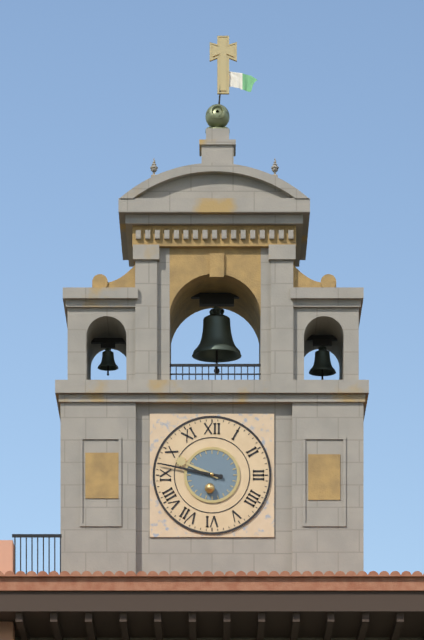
9:47
